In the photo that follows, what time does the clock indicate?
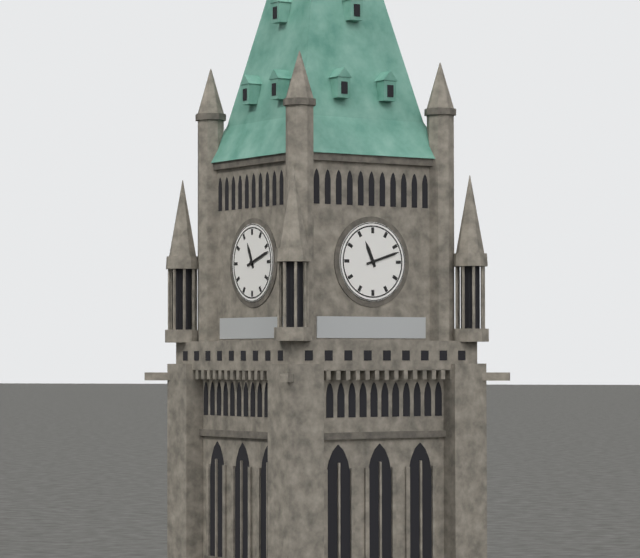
11:12
